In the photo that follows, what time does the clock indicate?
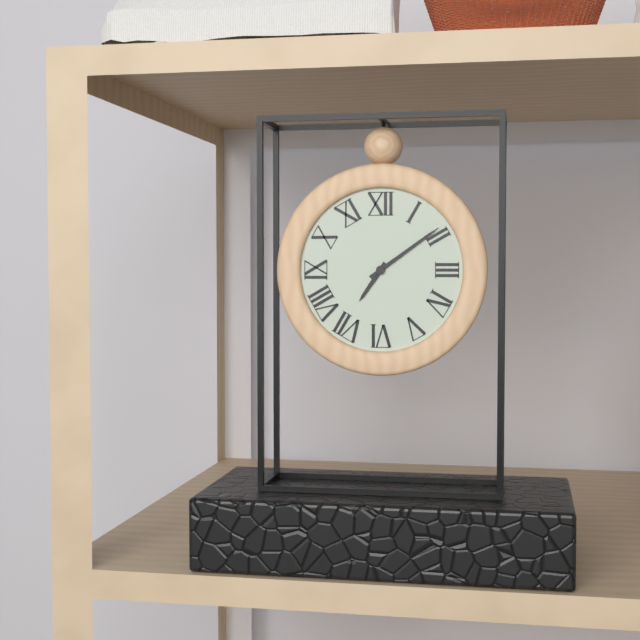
7:09
